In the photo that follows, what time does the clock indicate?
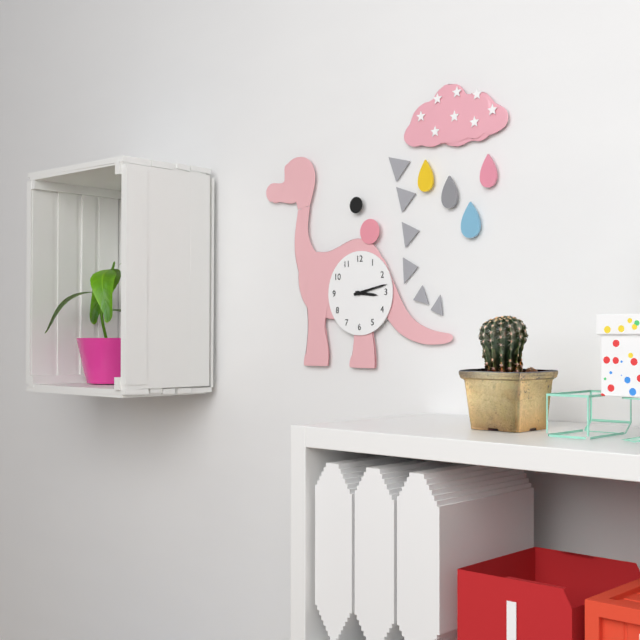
3:13
